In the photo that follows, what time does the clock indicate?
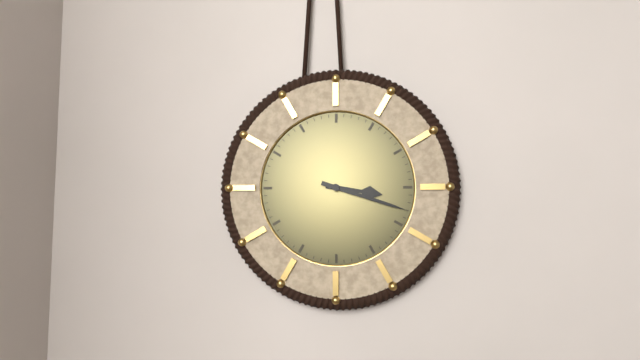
3:18
